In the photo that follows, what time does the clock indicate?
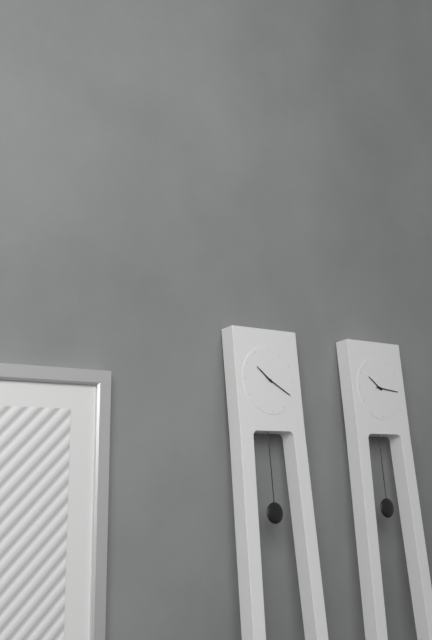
10:20
